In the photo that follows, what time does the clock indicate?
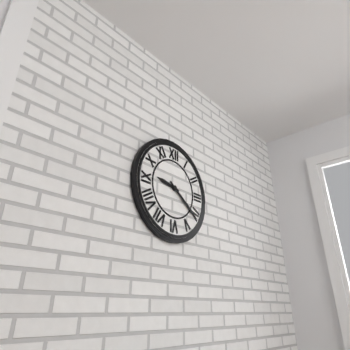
9:21
